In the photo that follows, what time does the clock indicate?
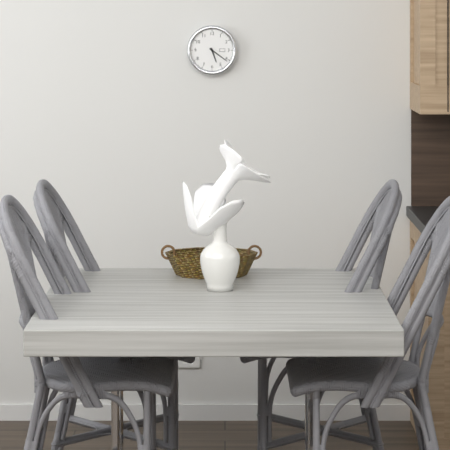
5:21
